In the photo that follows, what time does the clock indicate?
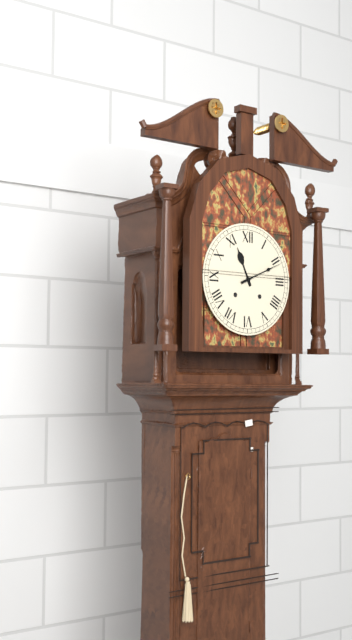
11:11
